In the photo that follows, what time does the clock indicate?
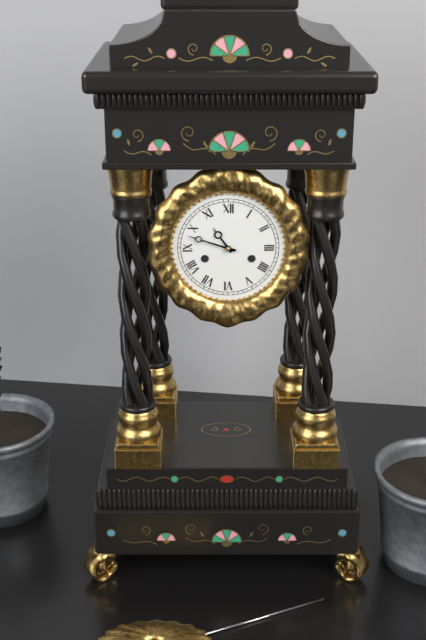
10:48
